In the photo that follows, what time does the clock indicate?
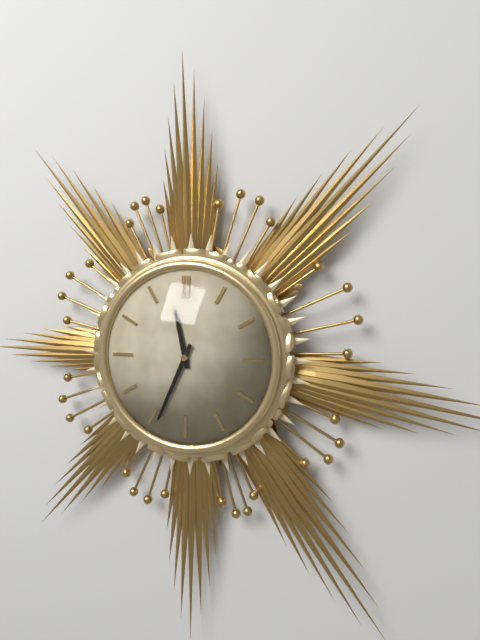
11:34
